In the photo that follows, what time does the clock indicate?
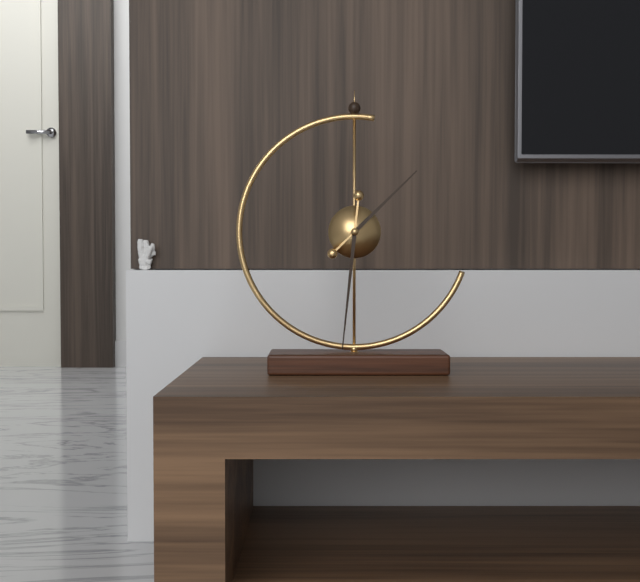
1:31
